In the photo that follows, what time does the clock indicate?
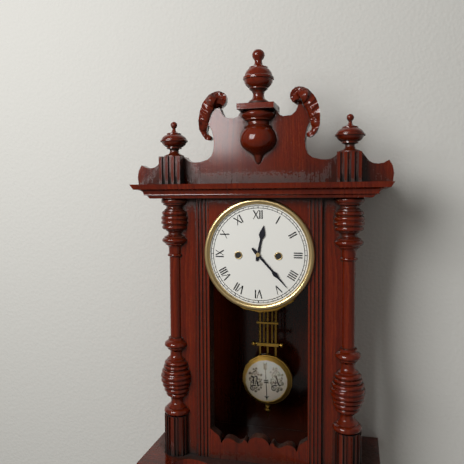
12:23
